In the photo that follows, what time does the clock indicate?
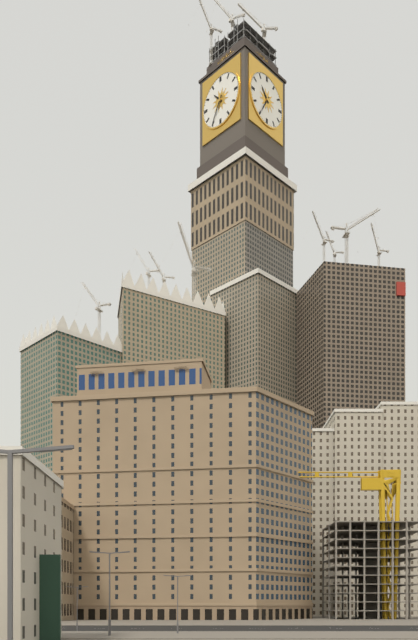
10:35
